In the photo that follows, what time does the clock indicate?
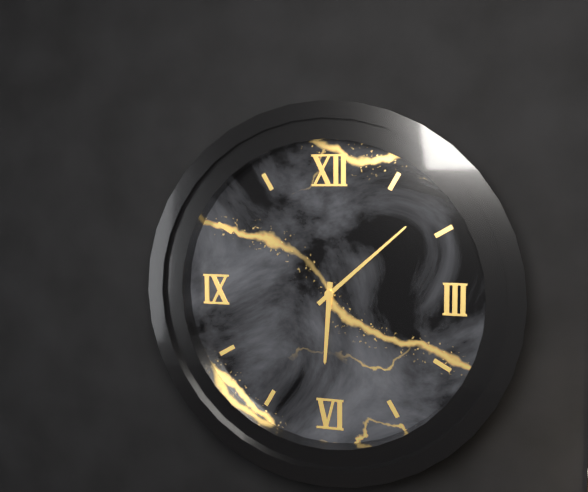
6:08
